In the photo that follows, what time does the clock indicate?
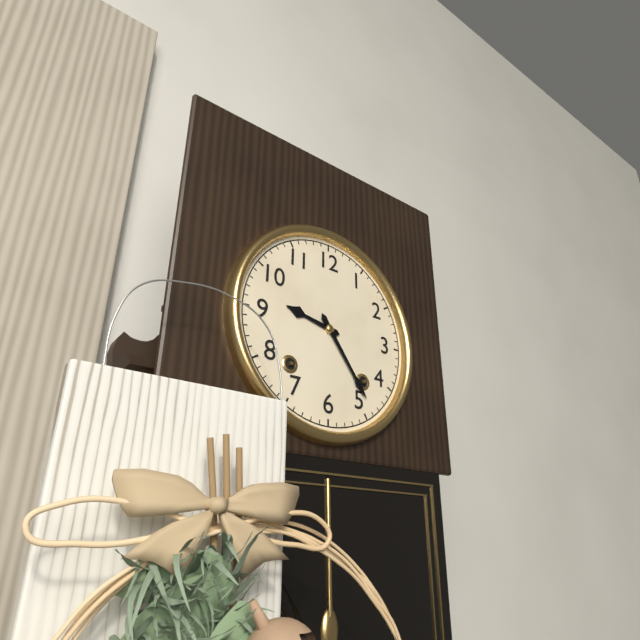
9:24
